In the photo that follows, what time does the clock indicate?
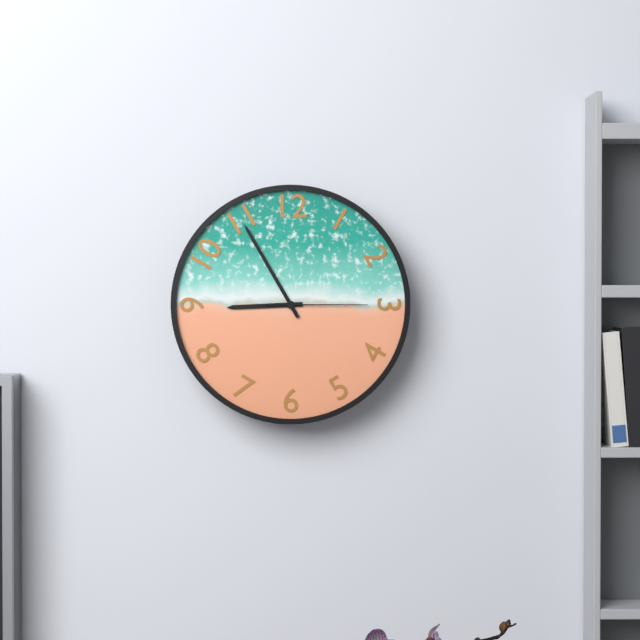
8:55:15
